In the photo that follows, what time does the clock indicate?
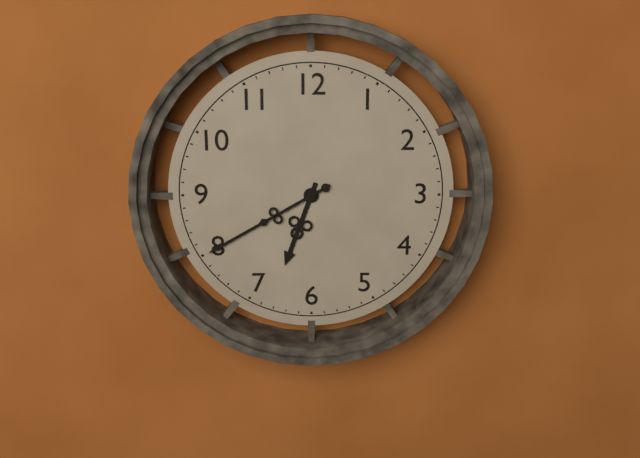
6:40
